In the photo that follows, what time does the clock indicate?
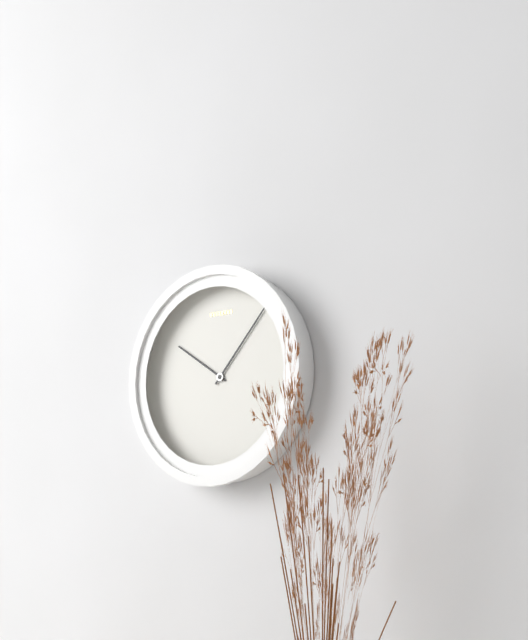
10:07
